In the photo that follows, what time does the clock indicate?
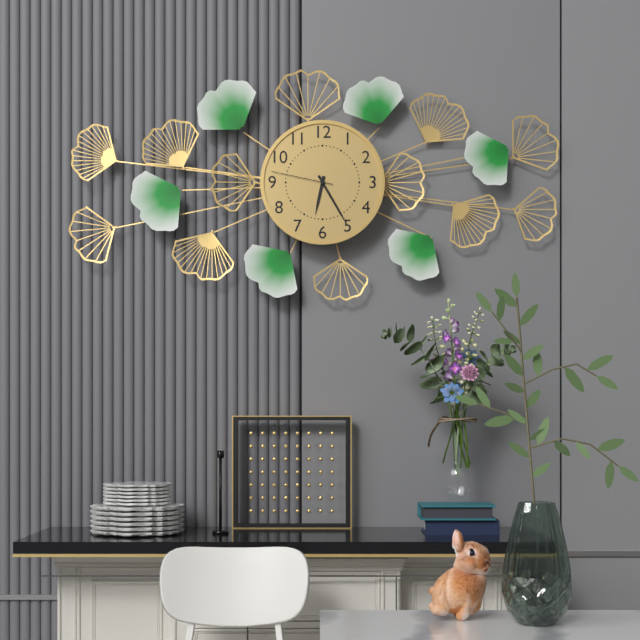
6:25:47
